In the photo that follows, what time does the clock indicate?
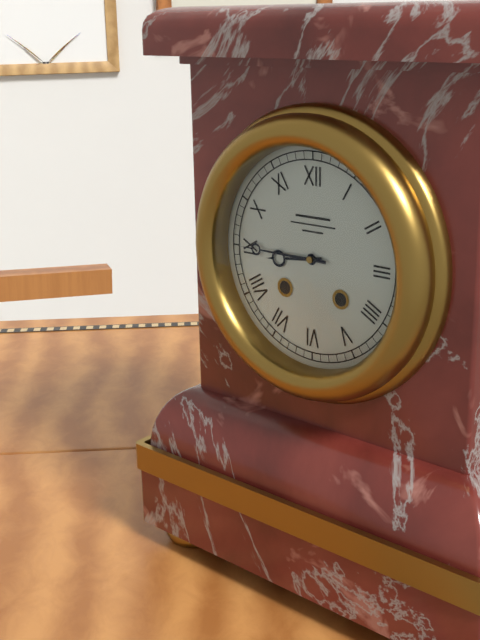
8:45
